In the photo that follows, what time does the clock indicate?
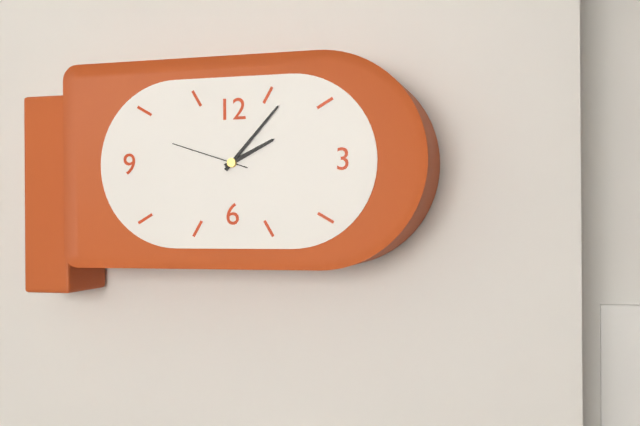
2:07:48
